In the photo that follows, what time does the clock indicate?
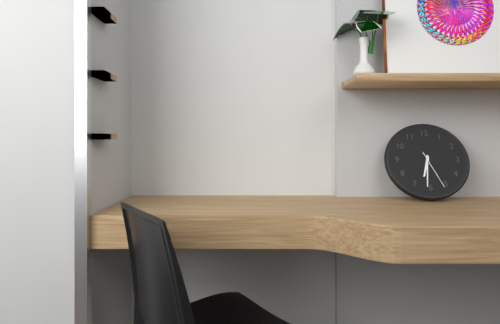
6:31
